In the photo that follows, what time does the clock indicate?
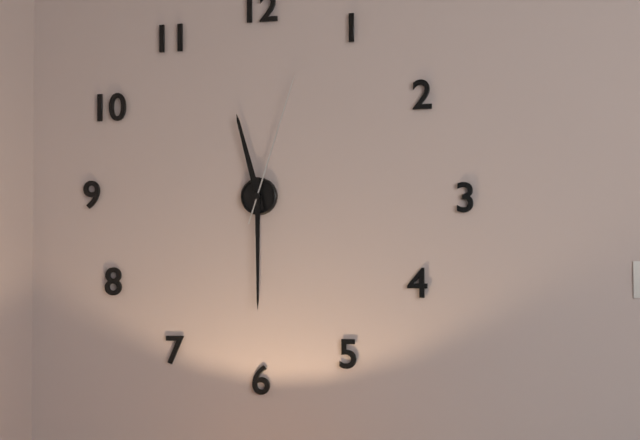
11:30:03
